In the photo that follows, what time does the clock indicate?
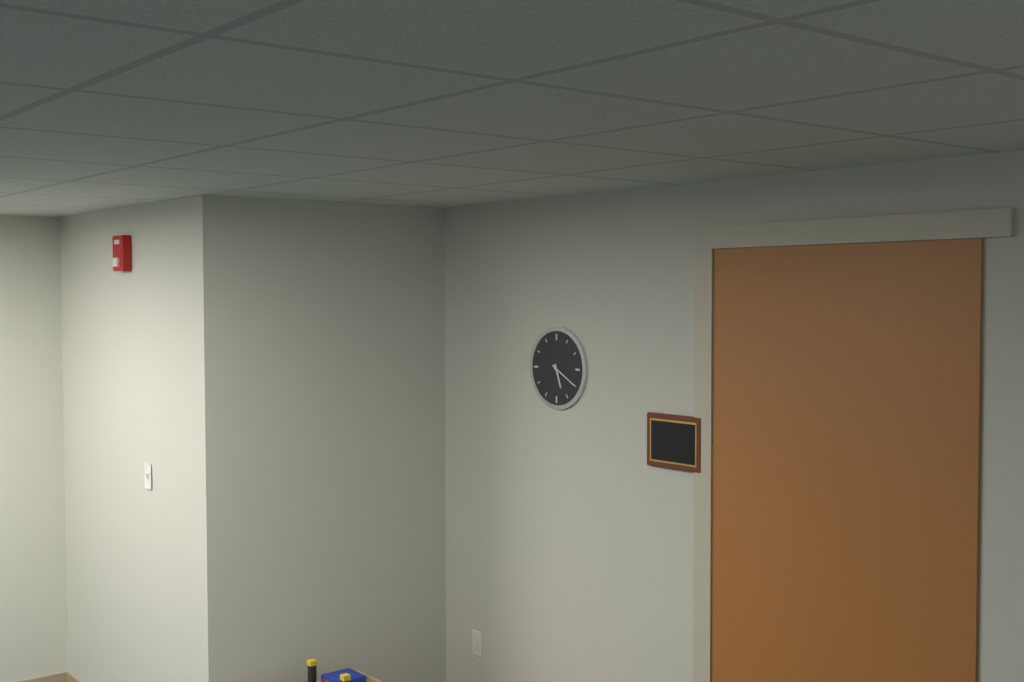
5:20
